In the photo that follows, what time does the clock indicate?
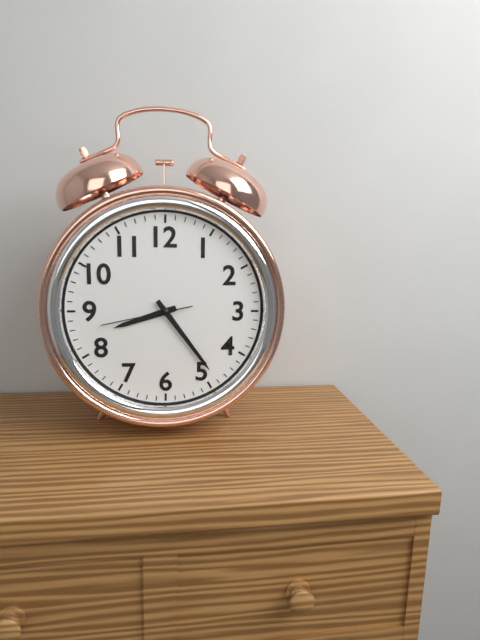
8:24:43
